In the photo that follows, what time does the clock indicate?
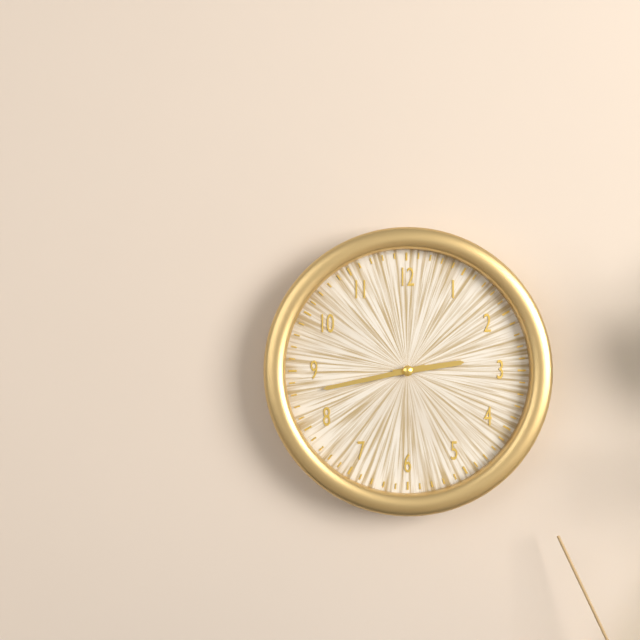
2:43
